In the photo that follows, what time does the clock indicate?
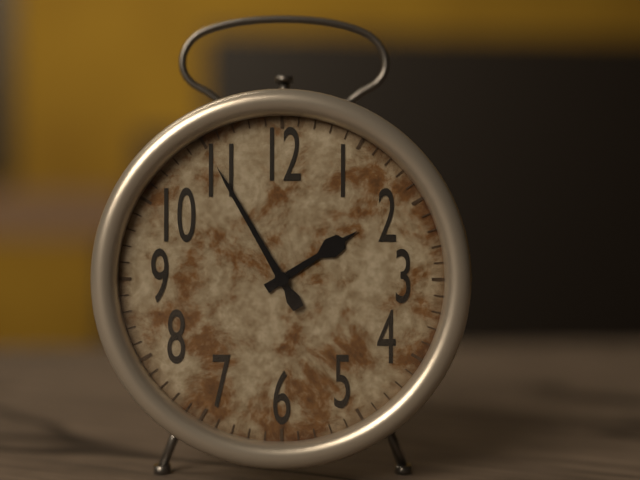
1:55
